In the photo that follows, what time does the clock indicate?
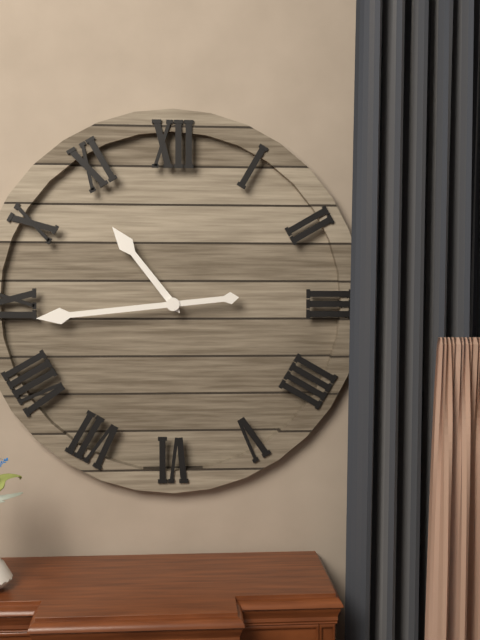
10:44
